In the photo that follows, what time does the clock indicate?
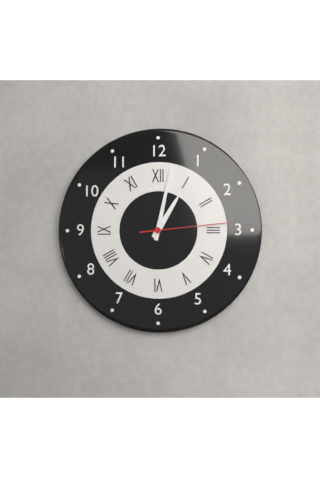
1:02:14
